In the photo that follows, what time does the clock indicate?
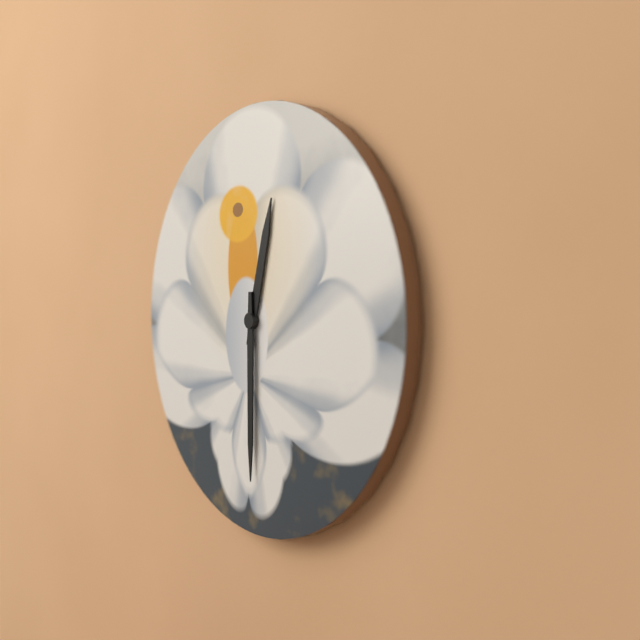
12:30
